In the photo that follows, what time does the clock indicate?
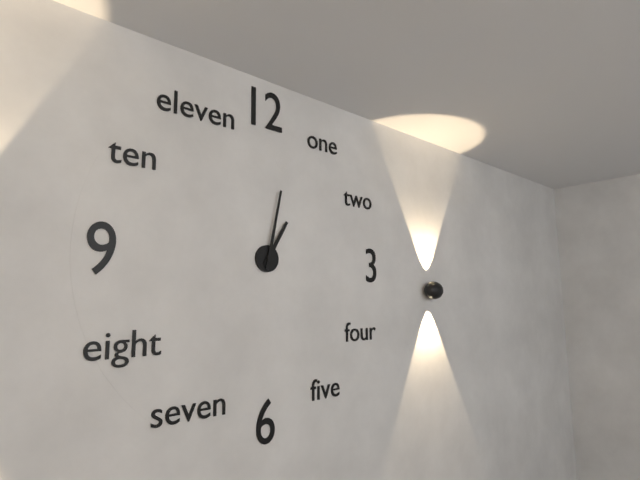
1:02
